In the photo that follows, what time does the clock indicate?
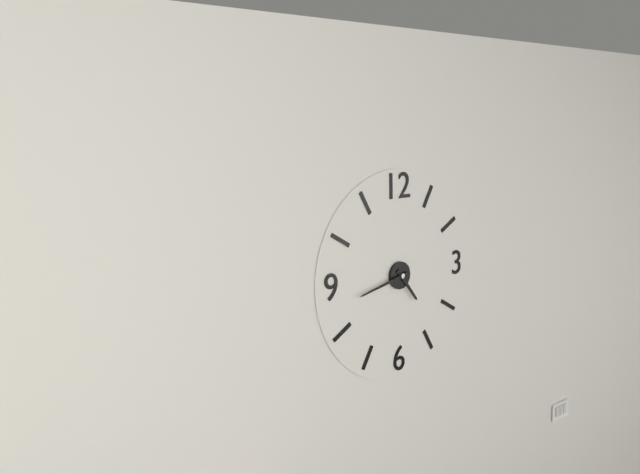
4:43
